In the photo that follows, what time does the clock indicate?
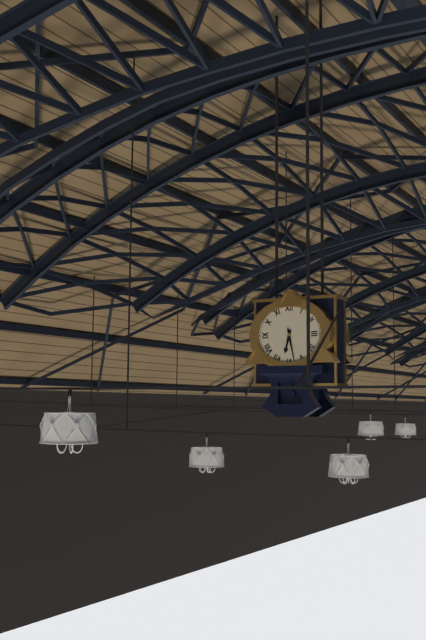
6:28
